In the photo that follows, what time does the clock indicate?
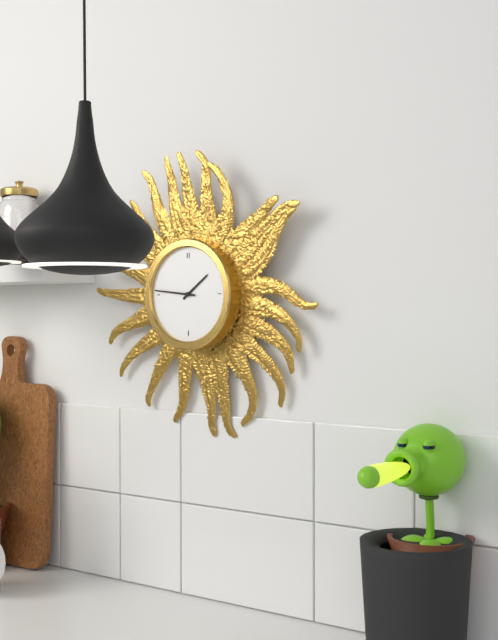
1:46
